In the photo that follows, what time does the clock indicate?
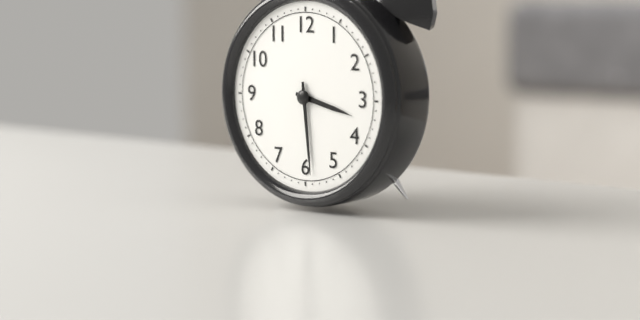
3:29
